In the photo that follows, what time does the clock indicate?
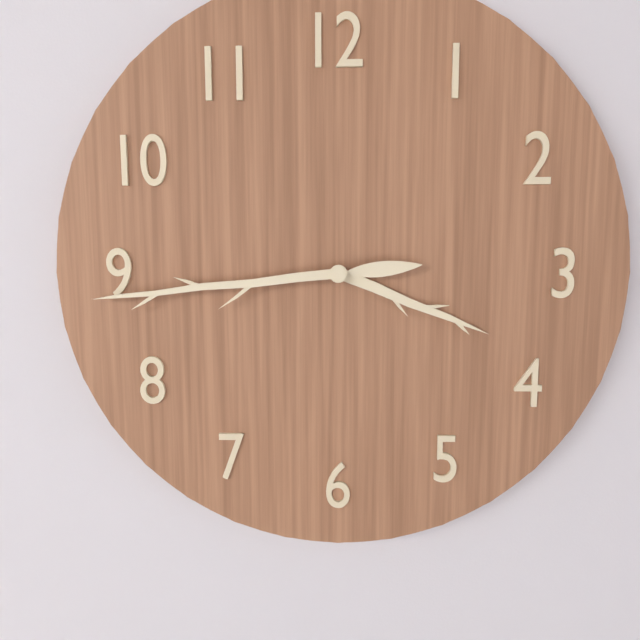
3:44
